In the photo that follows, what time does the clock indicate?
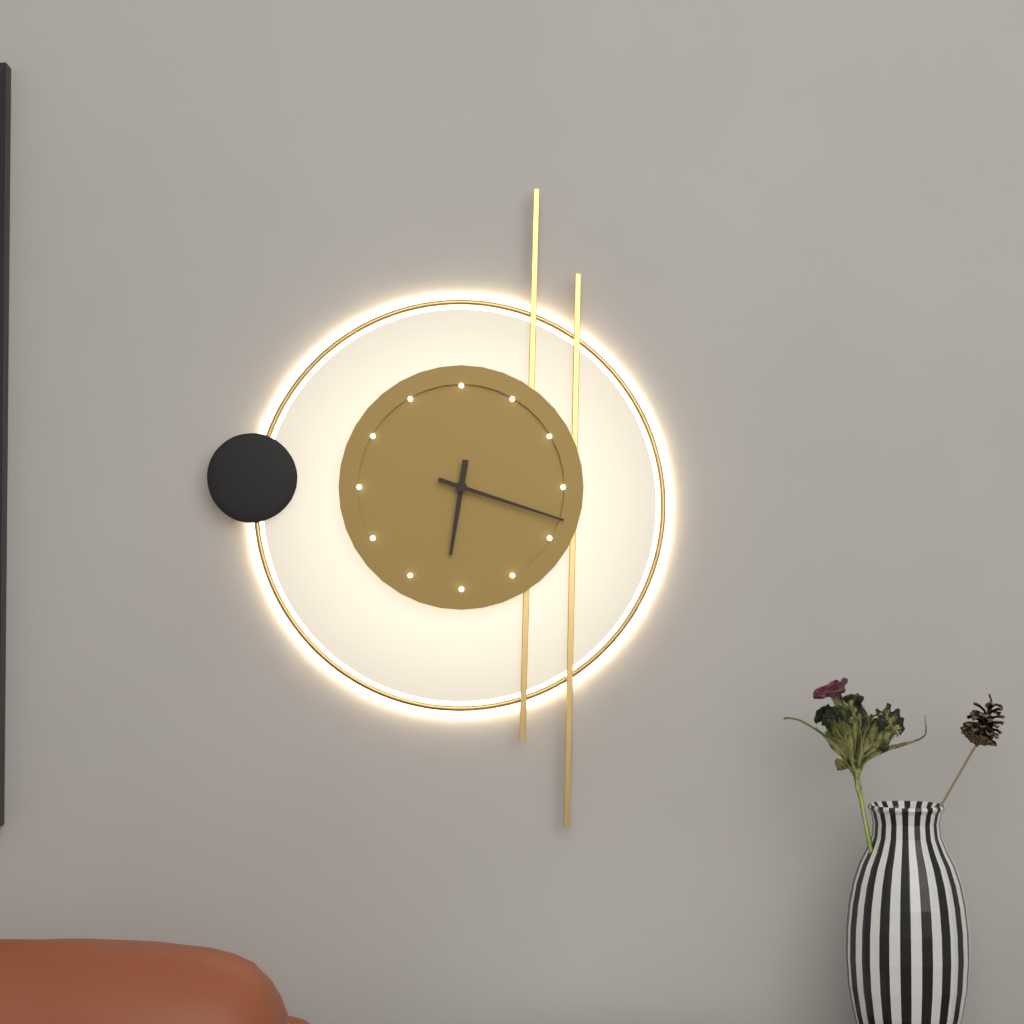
6:18
